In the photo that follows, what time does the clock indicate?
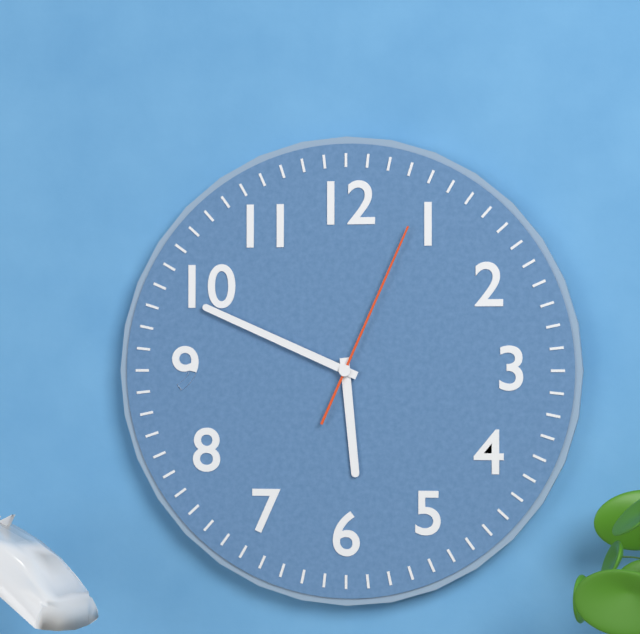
5:49:04
